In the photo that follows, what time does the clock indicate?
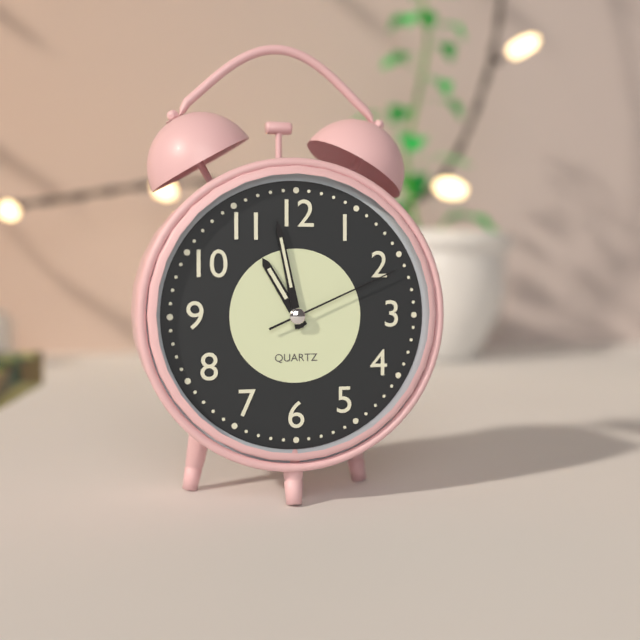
10:58:11
